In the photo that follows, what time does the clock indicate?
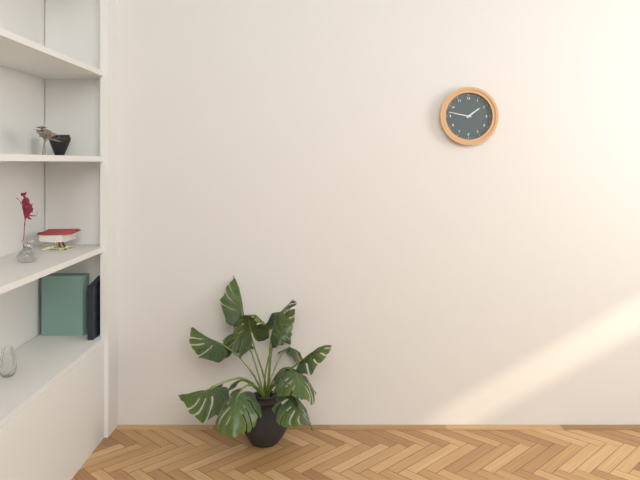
1:47
